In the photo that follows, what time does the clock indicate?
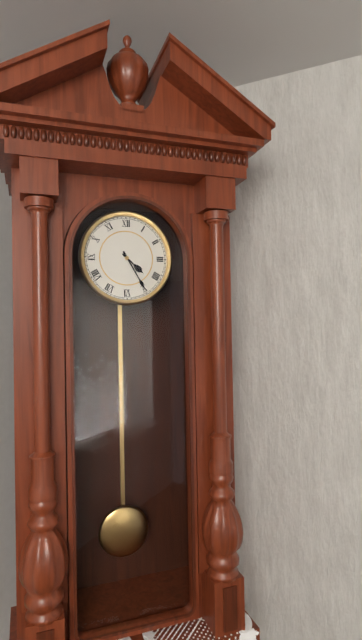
4:25
